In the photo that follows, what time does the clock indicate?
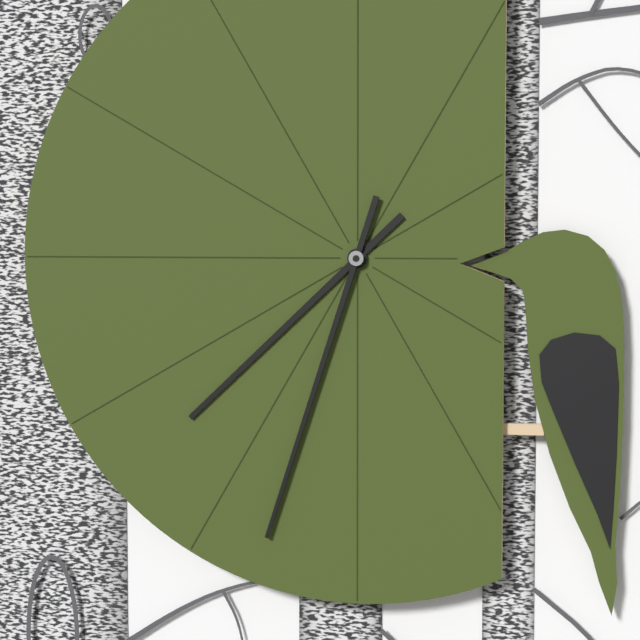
7:33
